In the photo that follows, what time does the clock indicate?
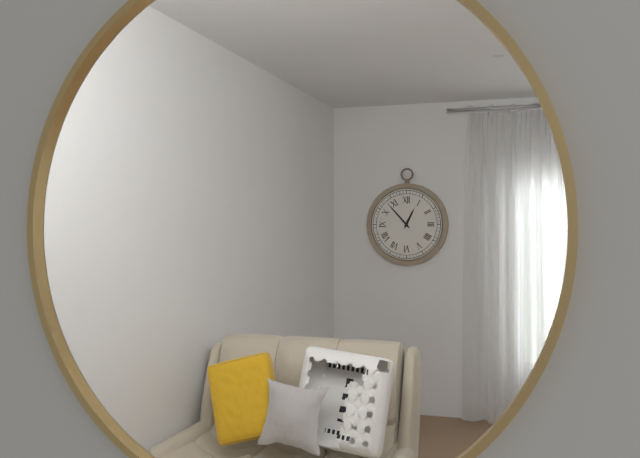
12:53
